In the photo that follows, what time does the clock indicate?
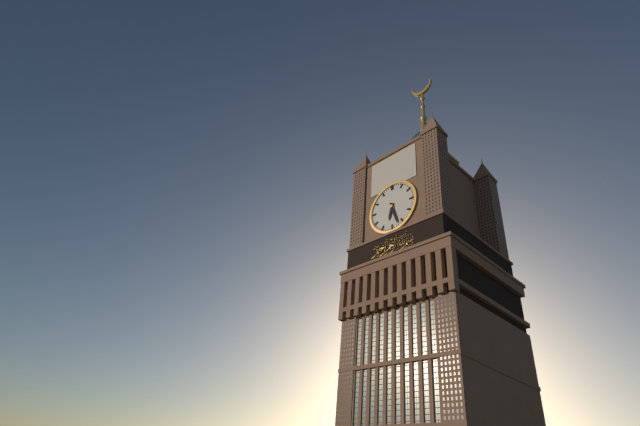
6:27
